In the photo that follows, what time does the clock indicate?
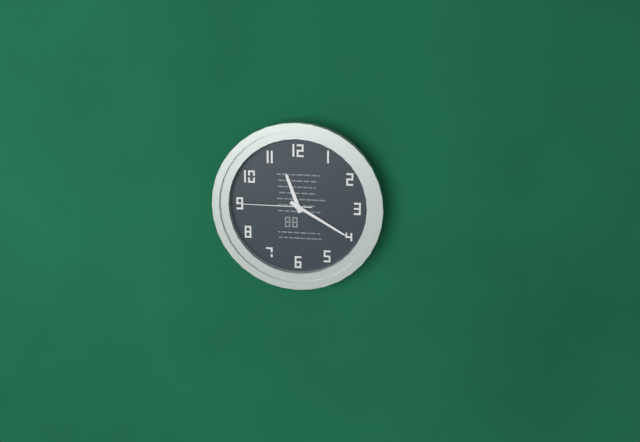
11:20:45
